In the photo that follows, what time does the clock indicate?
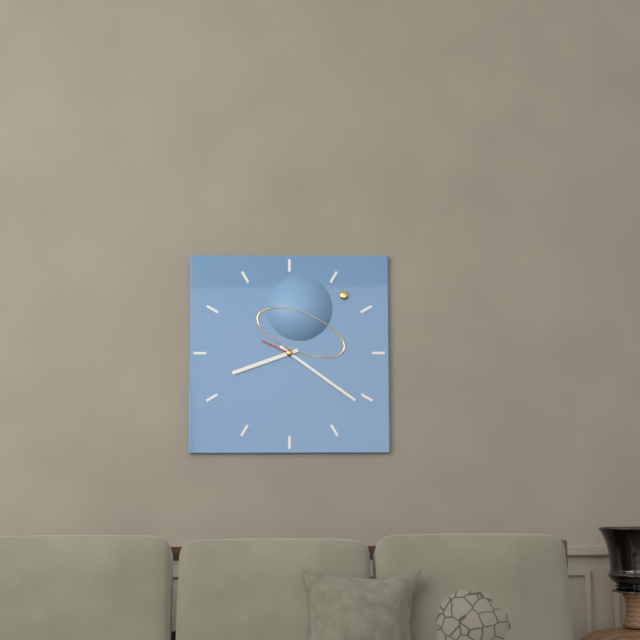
8:21
